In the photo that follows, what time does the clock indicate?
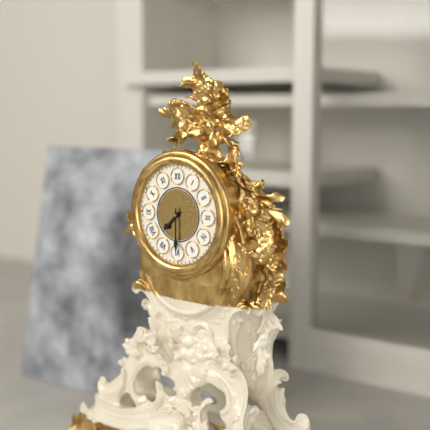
7:30
